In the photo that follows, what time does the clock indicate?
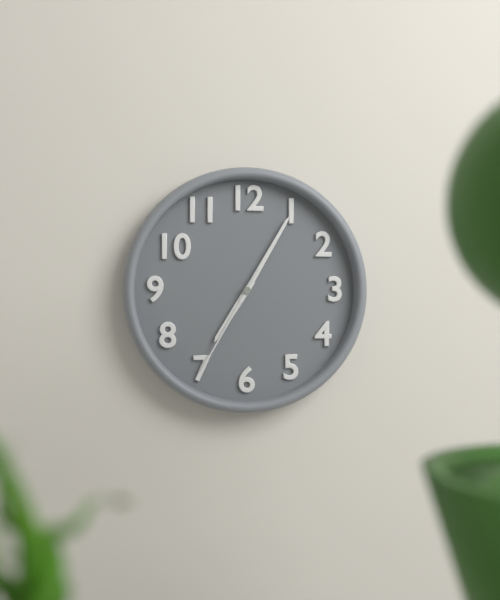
7:05:35
